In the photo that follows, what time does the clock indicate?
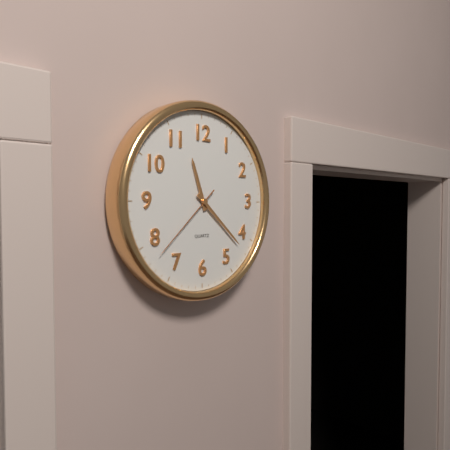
11:22:38
